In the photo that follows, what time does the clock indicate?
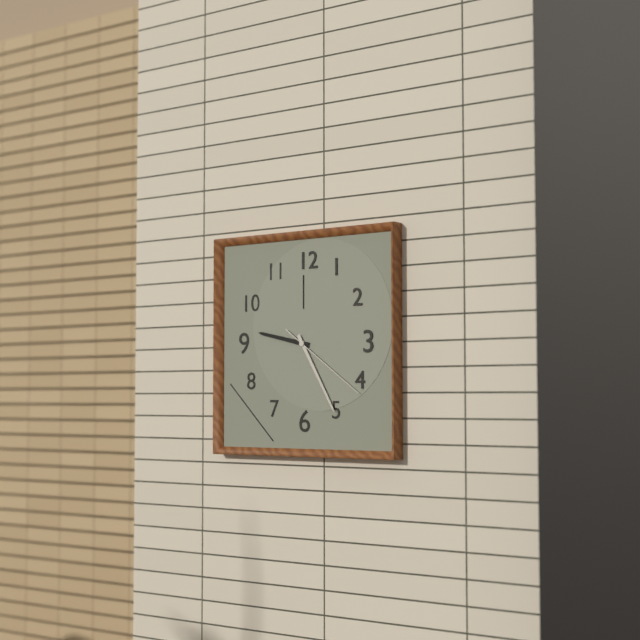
9:25:21
